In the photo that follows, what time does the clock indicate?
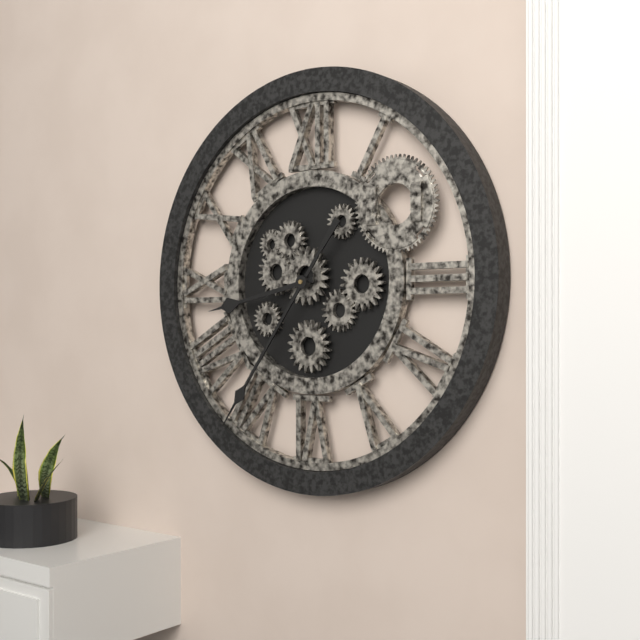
8:36
